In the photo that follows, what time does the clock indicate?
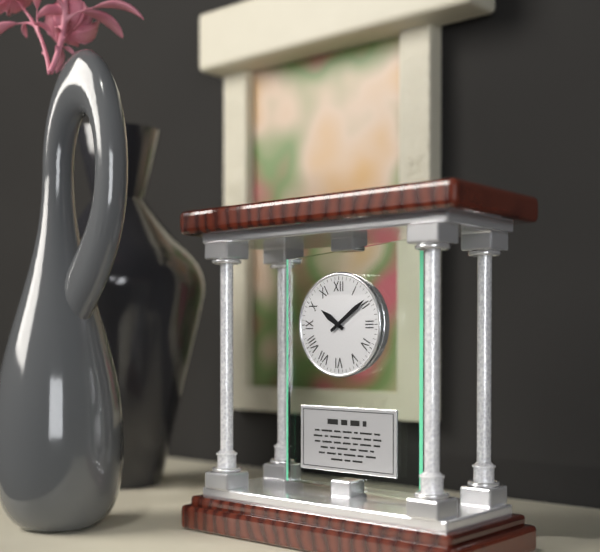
10:09
